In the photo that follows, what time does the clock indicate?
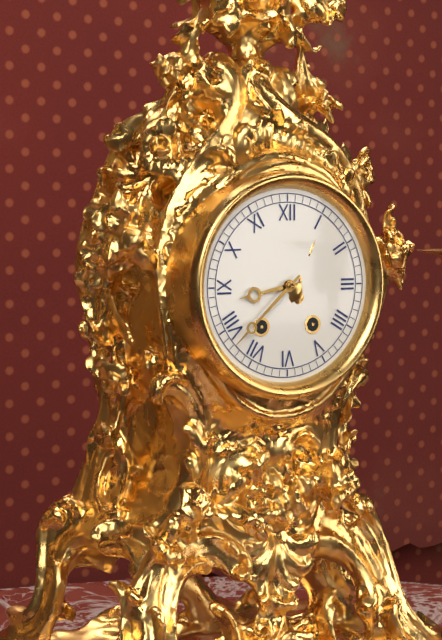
8:38
